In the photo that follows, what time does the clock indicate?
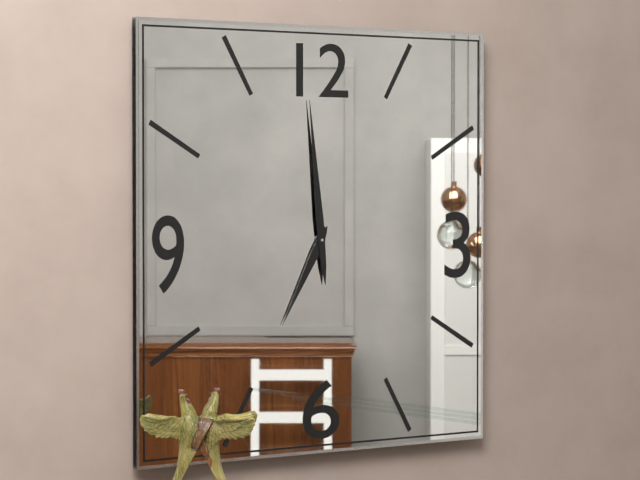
6:59
